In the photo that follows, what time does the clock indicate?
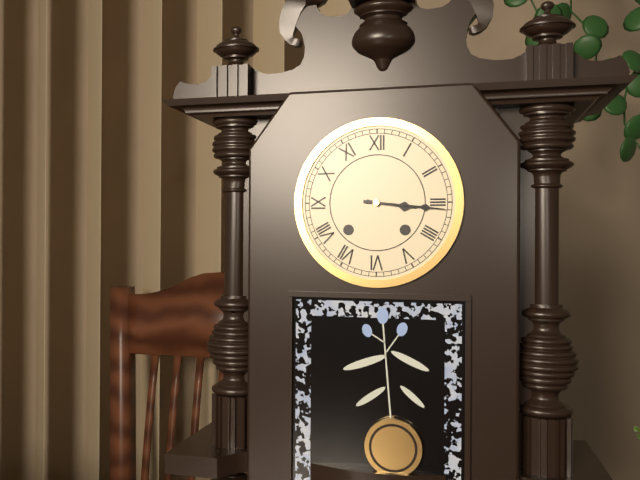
3:16
